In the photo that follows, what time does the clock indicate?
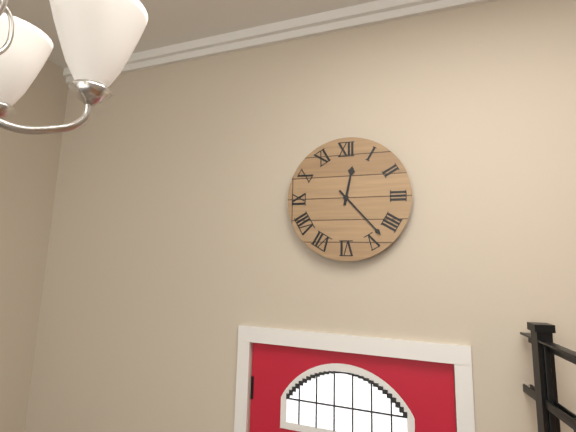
12:23
